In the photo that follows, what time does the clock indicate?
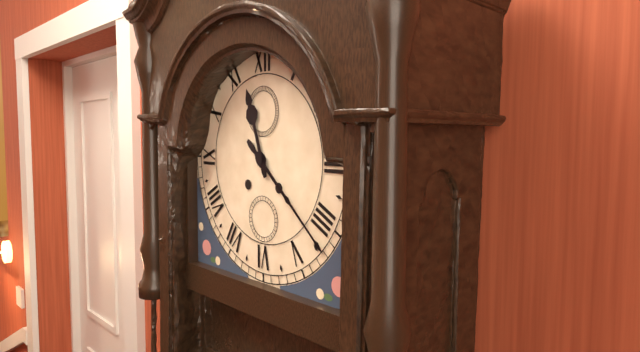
11:22
